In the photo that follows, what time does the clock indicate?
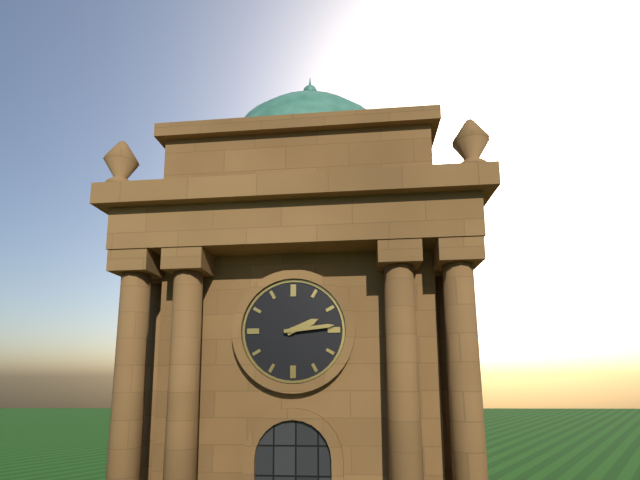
2:14
